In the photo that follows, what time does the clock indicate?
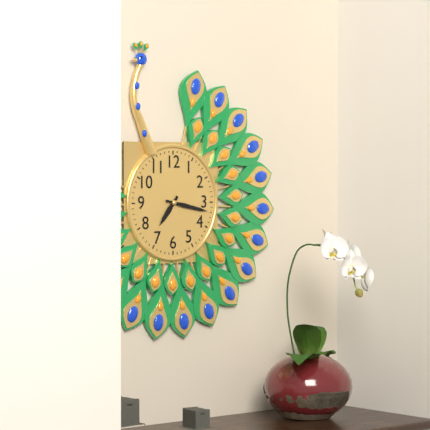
7:17
